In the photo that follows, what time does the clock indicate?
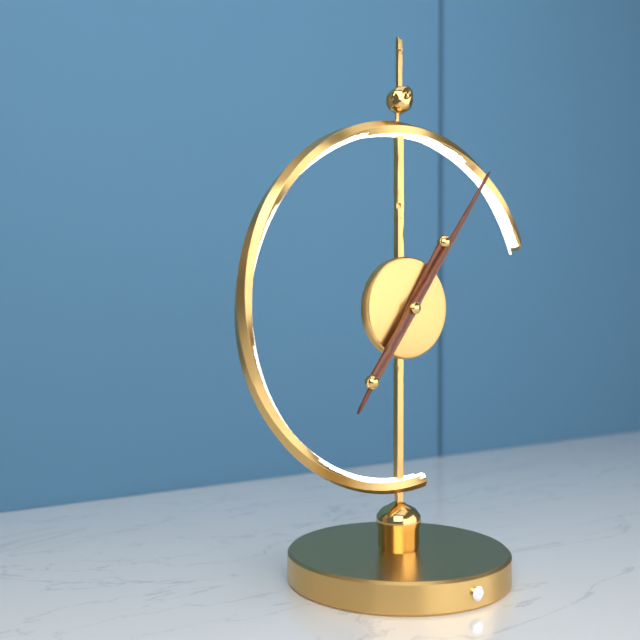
7:06
